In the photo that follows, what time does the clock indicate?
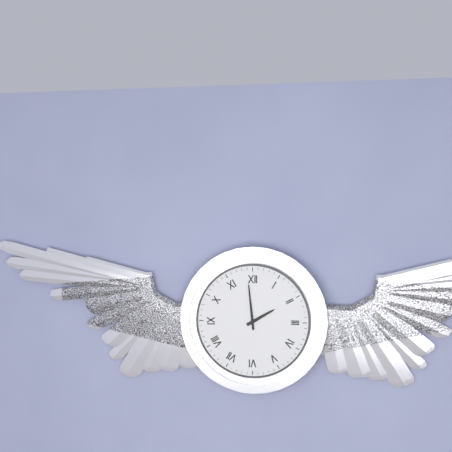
1:59
